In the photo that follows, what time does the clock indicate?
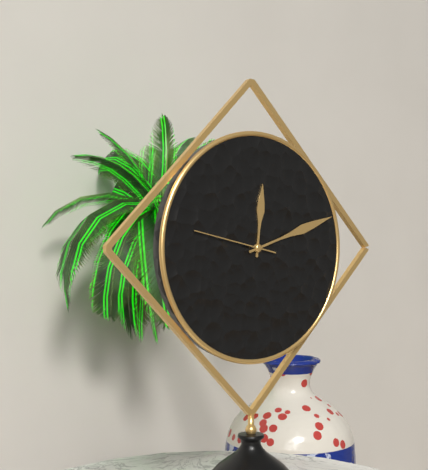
12:12:47
